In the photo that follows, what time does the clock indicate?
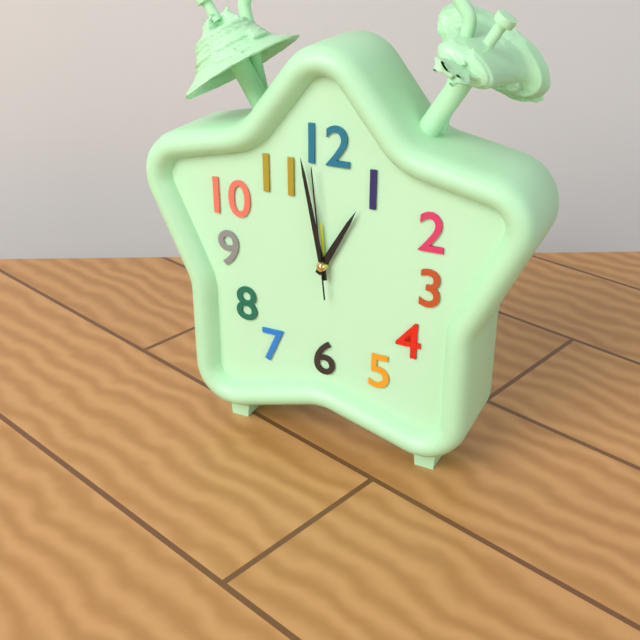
12:58:59
